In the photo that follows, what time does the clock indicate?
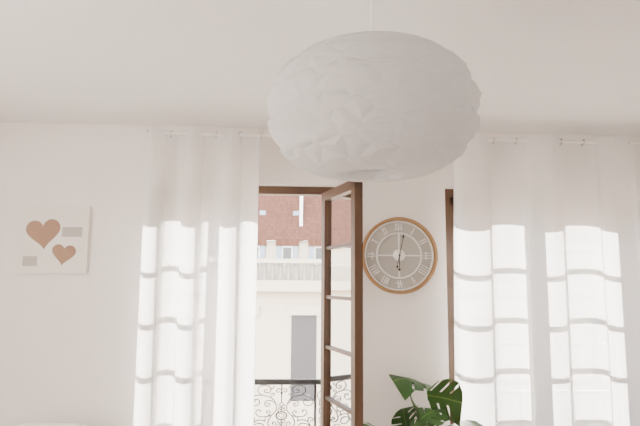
6:02
